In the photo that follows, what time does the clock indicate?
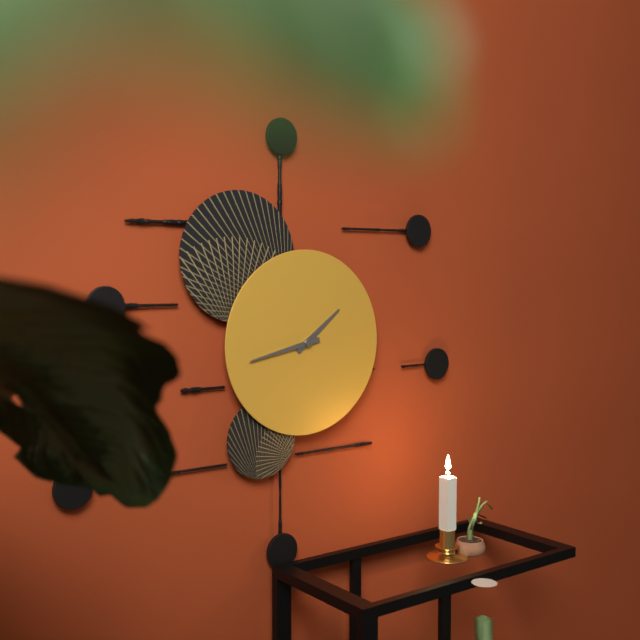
1:43
